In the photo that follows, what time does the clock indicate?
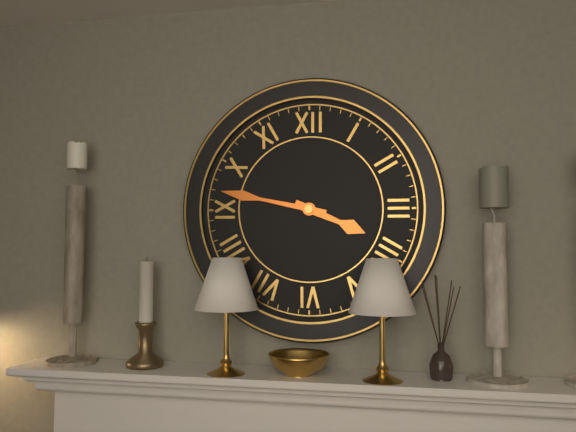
3:47
